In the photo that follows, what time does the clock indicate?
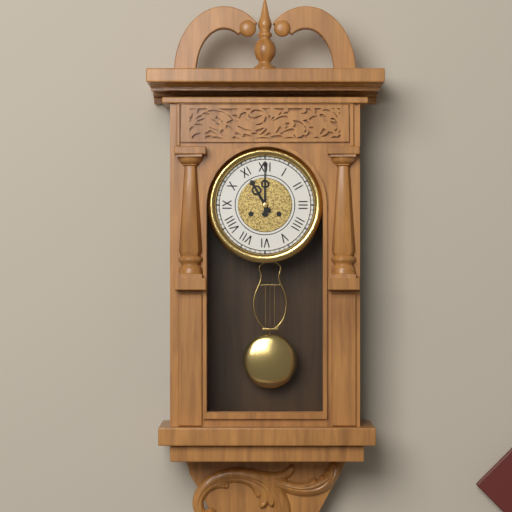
11:00
